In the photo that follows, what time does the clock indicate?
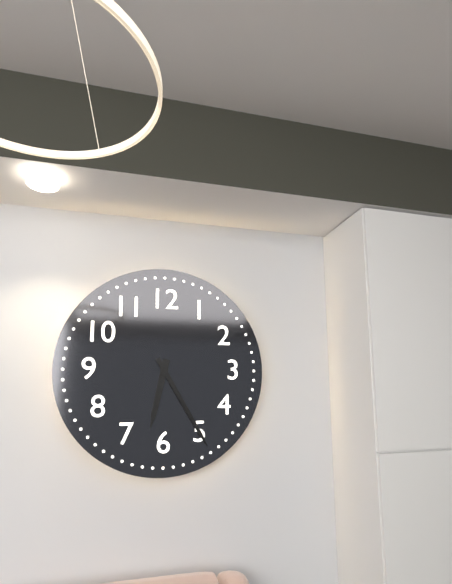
6:25
